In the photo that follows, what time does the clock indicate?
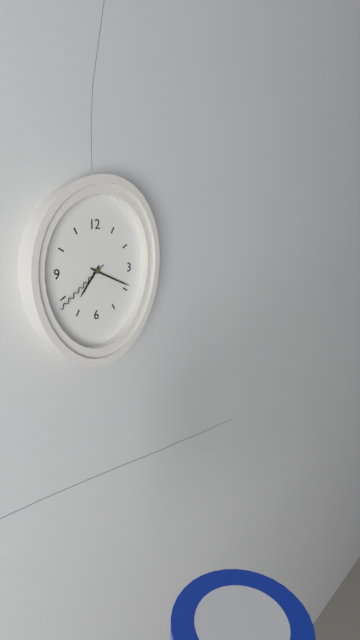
7:19:39
